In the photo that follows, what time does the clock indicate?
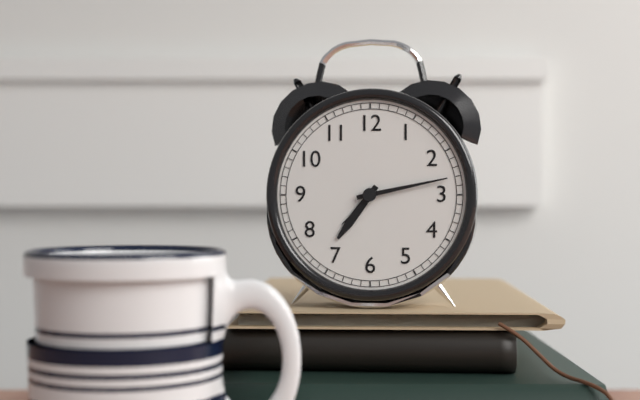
7:13
